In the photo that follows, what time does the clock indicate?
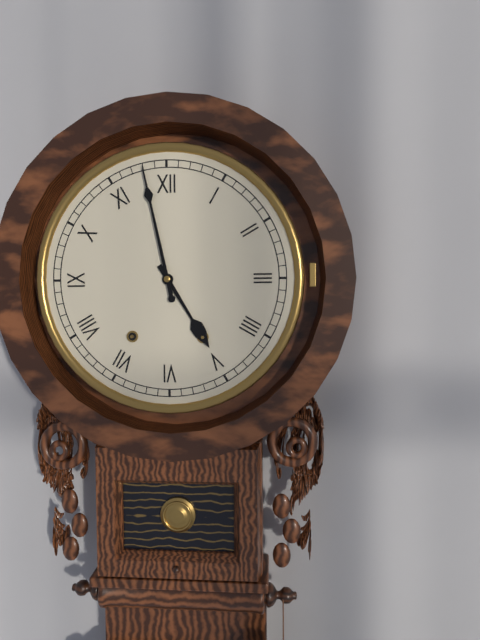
4:58
